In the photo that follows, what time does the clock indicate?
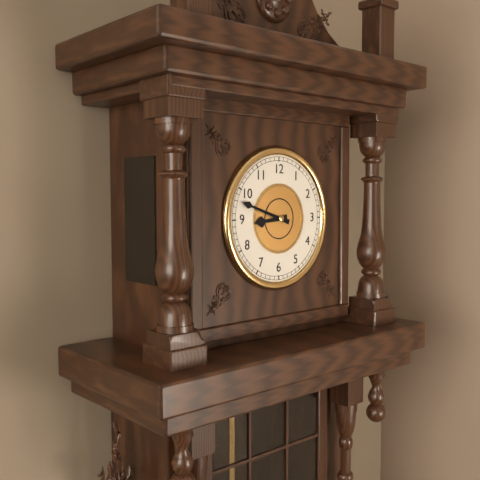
8:48
